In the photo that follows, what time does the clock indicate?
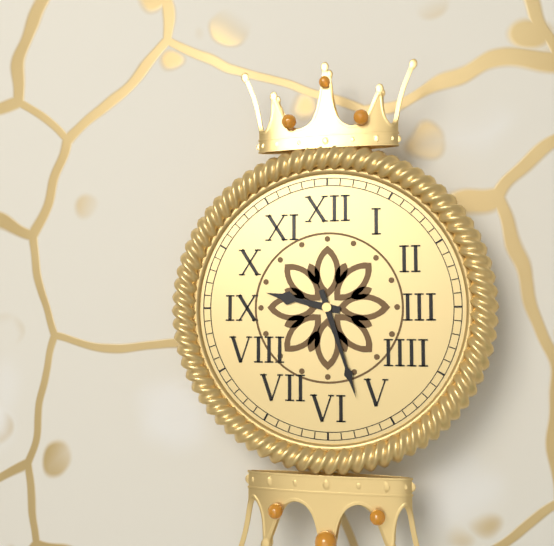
9:27
